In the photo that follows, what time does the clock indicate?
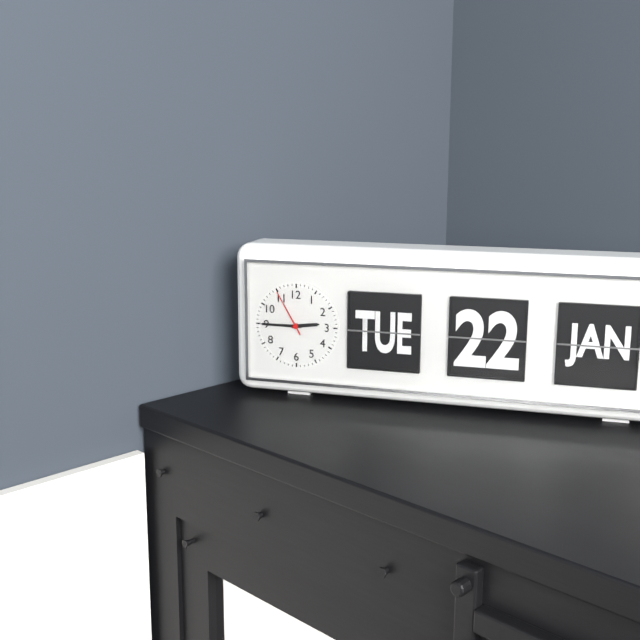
2:45:55
